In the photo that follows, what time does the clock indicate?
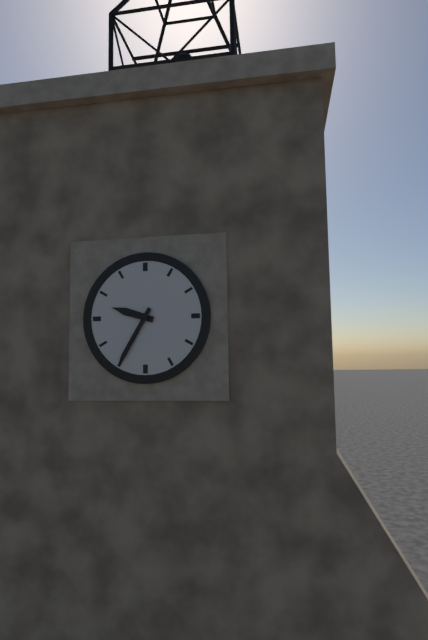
9:35
